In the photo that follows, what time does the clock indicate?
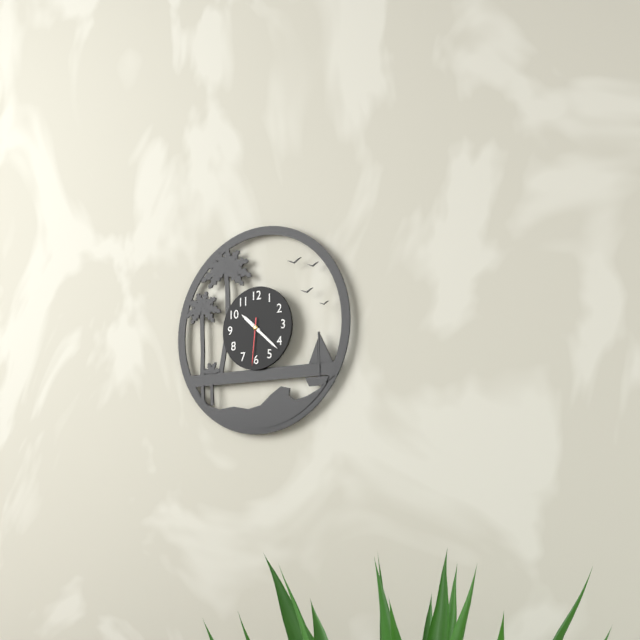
10:22
